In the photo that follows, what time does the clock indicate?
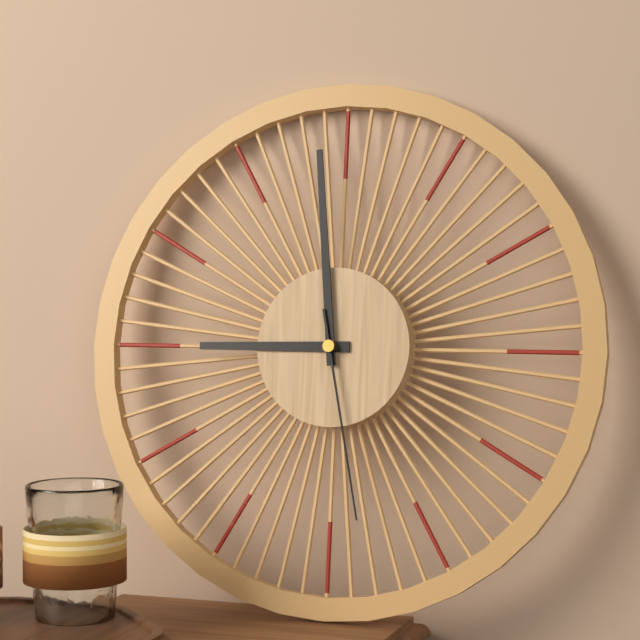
8:59:28
